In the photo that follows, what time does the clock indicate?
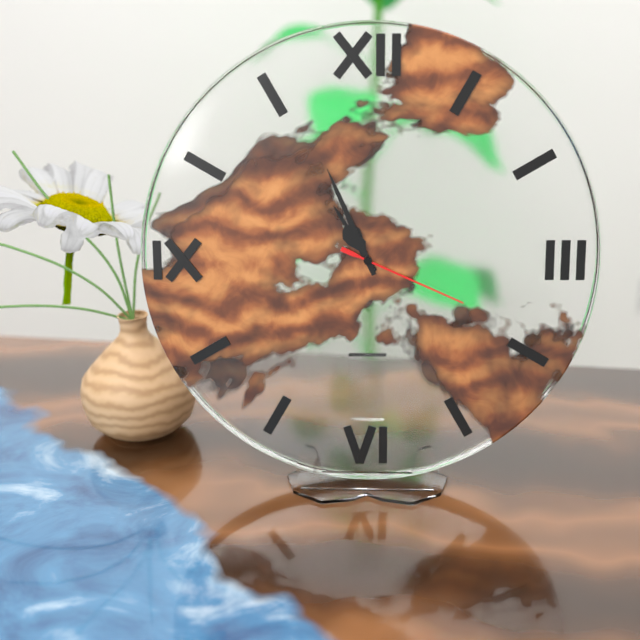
10:56:19
